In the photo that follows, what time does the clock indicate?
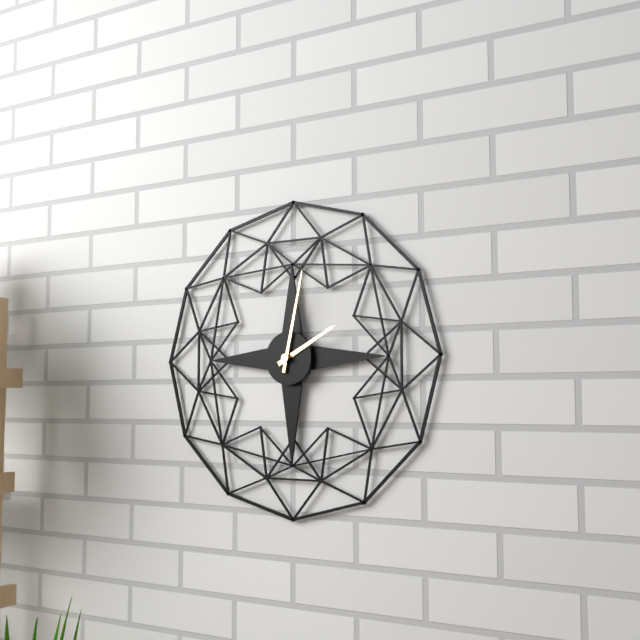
2:02
